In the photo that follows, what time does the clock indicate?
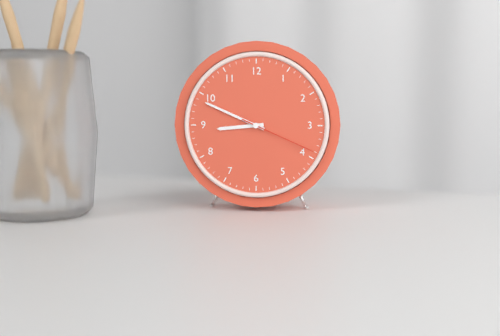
8:49:19
